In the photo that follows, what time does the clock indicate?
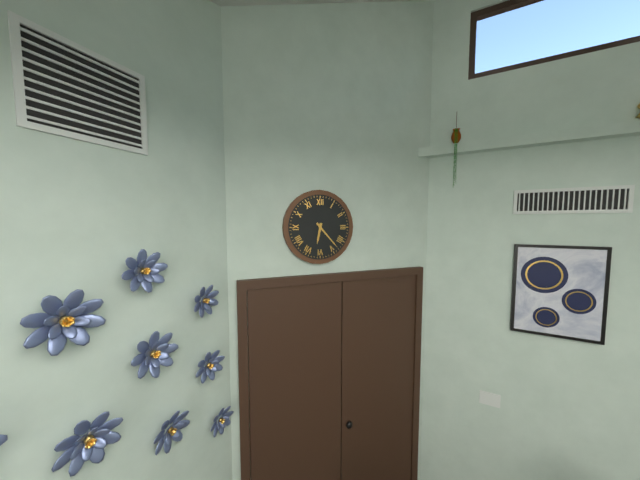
6:23
